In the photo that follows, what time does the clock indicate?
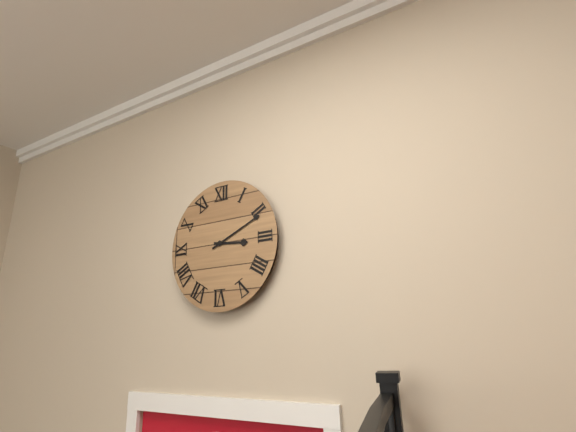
3:11
